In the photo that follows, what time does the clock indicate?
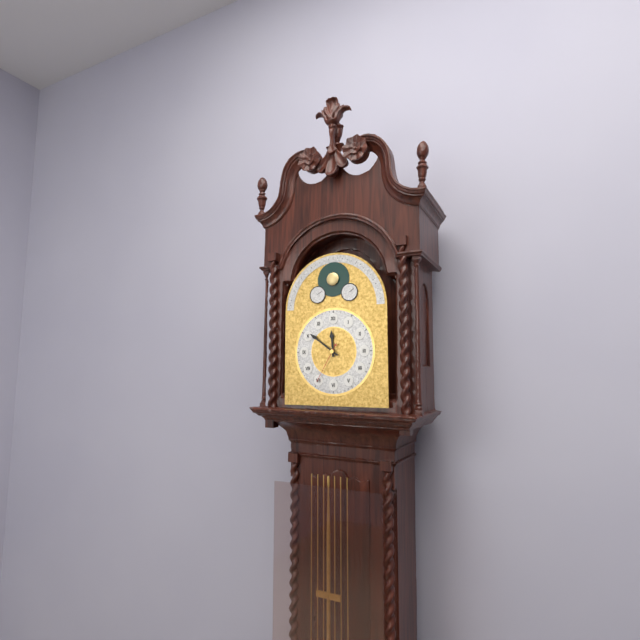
11:51
